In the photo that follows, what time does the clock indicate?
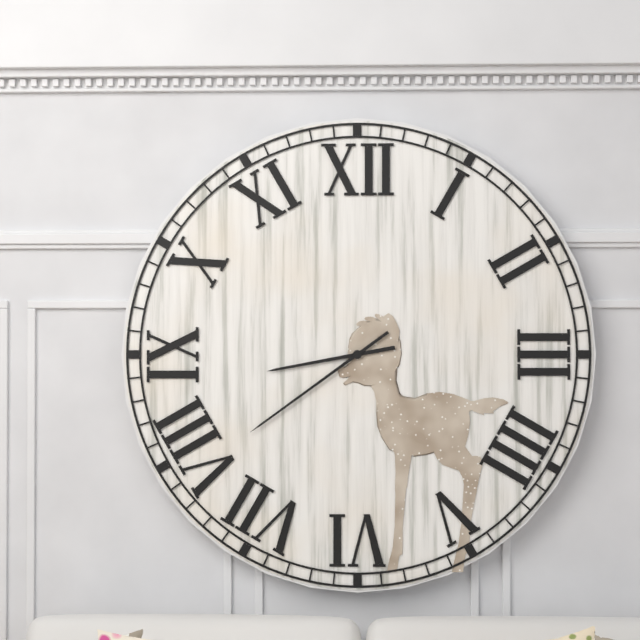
8:39
